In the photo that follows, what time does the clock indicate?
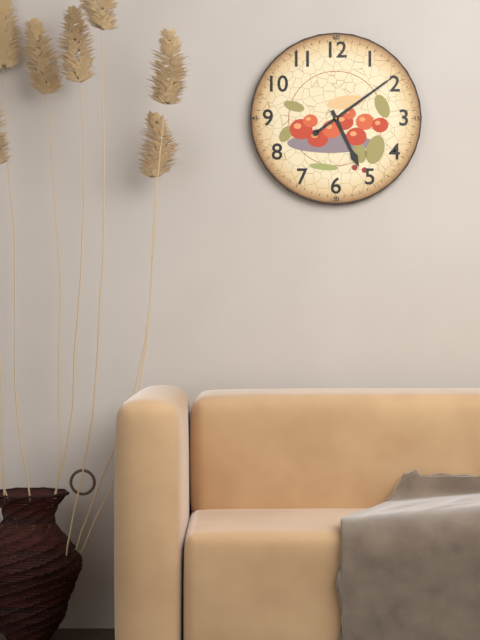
5:09
